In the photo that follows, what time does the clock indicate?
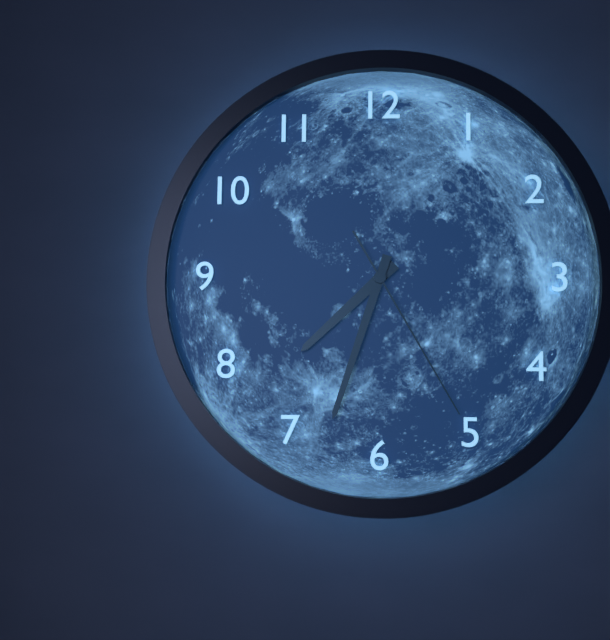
7:33:25
